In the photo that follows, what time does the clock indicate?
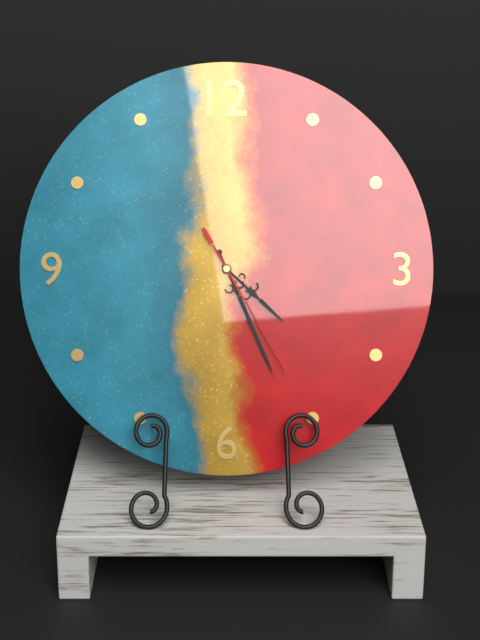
4:26:25
